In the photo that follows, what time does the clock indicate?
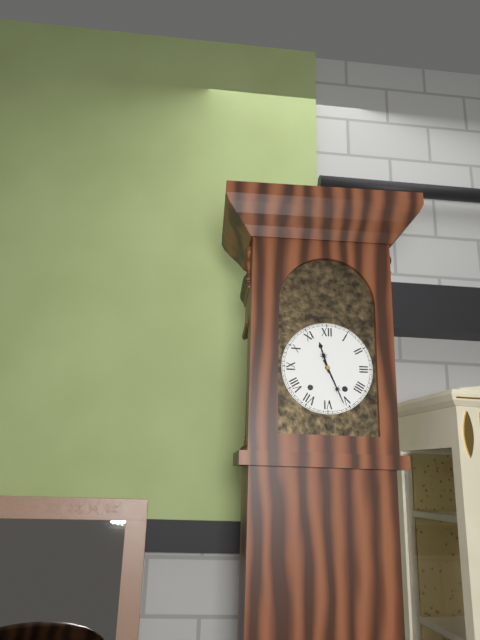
11:26
